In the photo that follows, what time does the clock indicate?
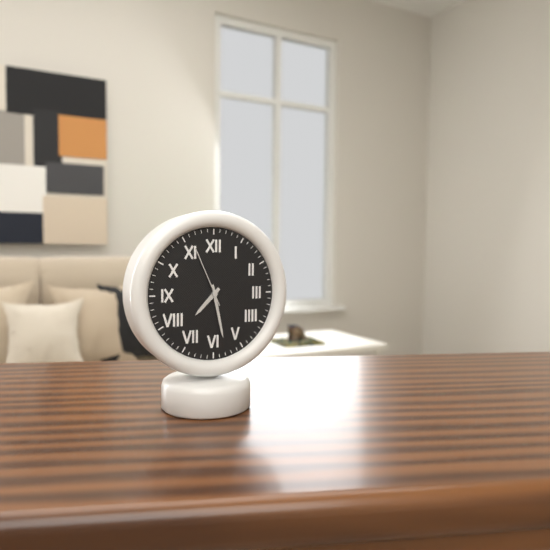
7:28:56
